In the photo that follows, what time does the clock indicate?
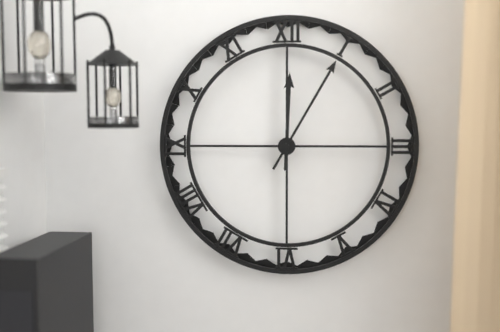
12:05
